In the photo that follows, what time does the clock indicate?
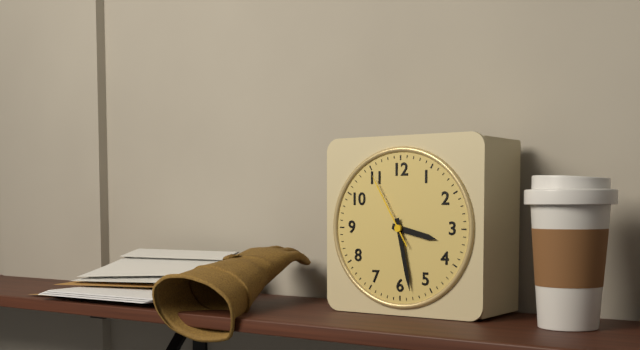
3:28:55
